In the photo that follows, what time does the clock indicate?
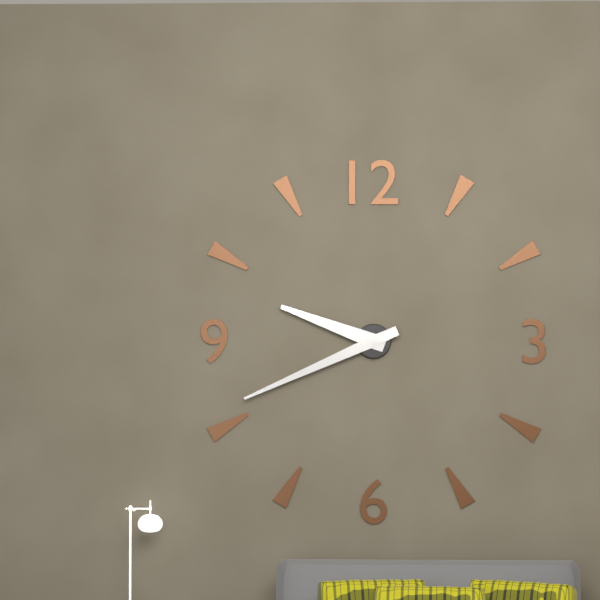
9:41
